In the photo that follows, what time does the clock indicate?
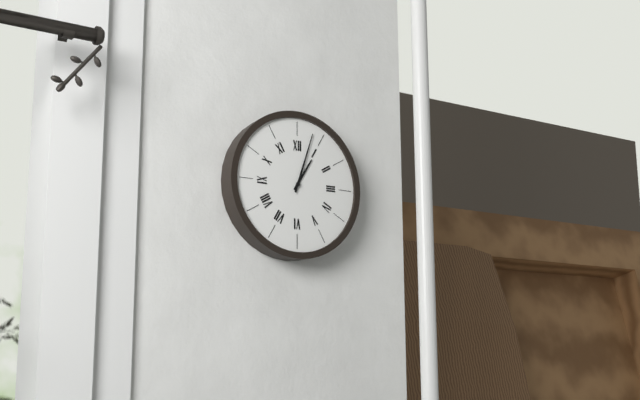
1:03
